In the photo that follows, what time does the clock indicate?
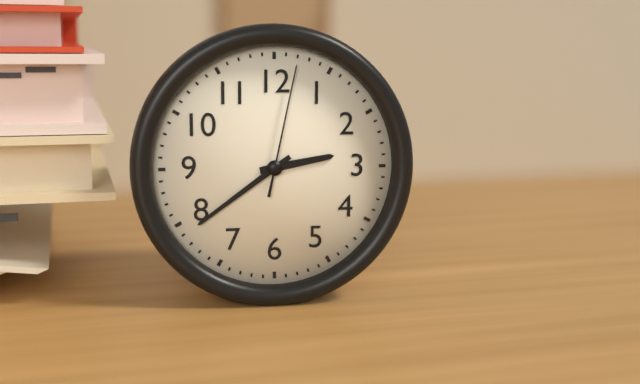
2:39:02
